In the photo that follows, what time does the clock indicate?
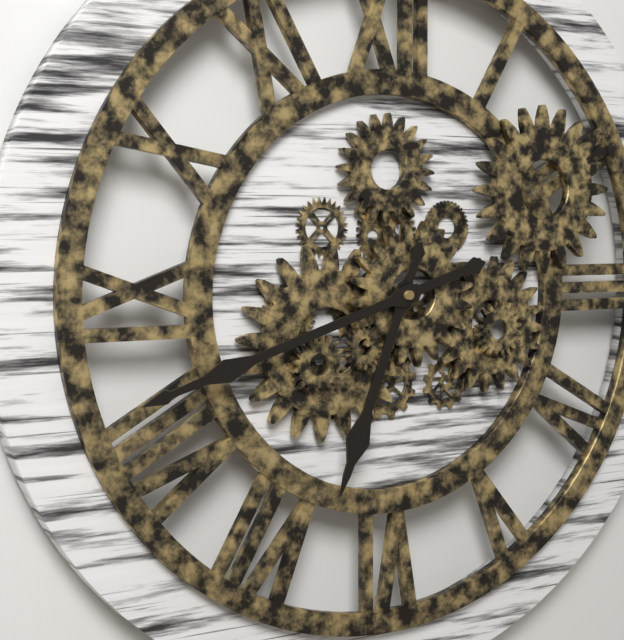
6:42
